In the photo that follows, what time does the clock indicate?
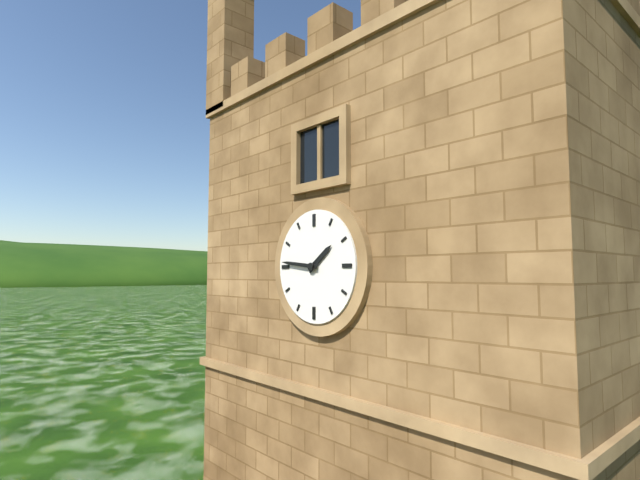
1:46
